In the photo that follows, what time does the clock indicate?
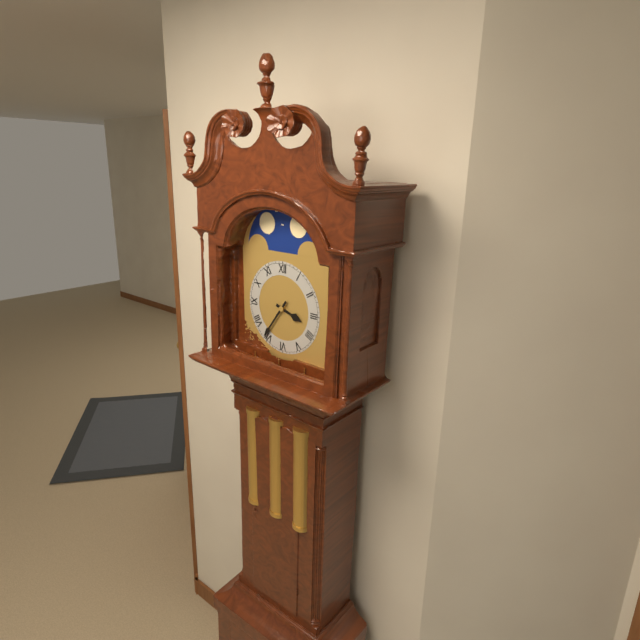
3:36
